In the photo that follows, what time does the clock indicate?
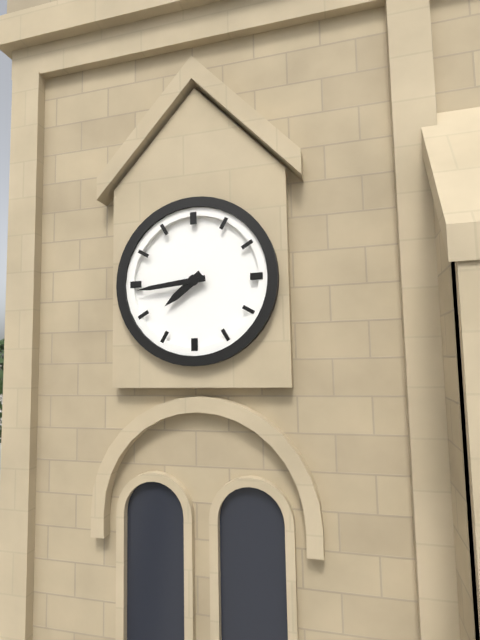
7:44
